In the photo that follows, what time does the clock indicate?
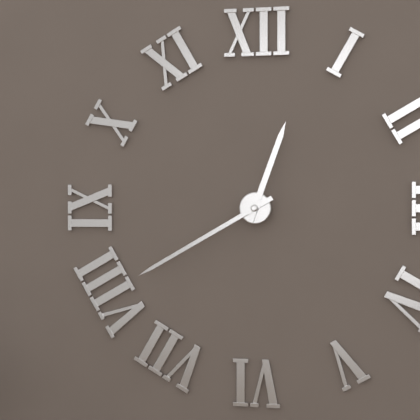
12:40
